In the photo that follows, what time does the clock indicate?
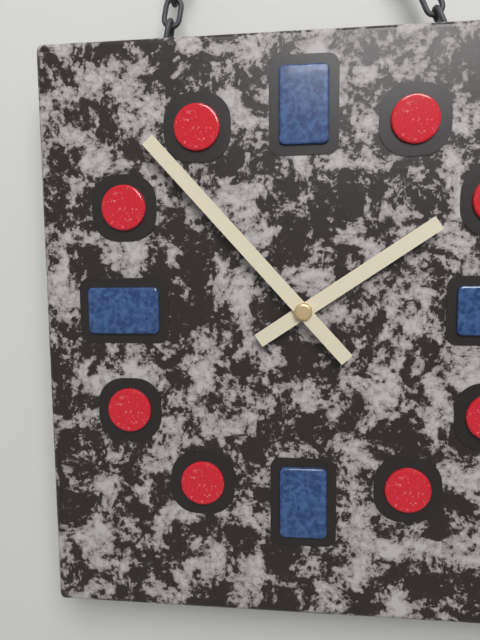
1:53
